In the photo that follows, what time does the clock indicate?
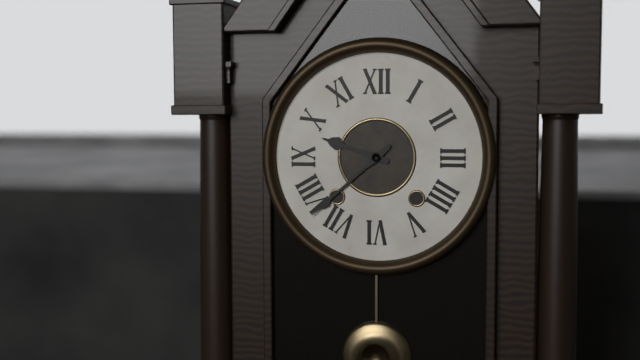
9:38
